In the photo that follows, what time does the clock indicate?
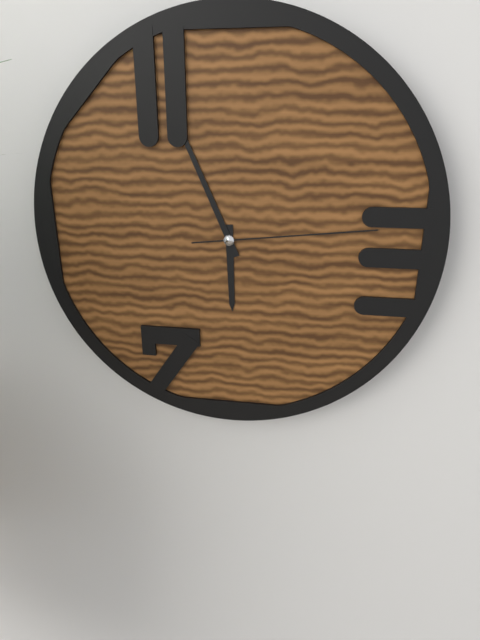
5:56:14
